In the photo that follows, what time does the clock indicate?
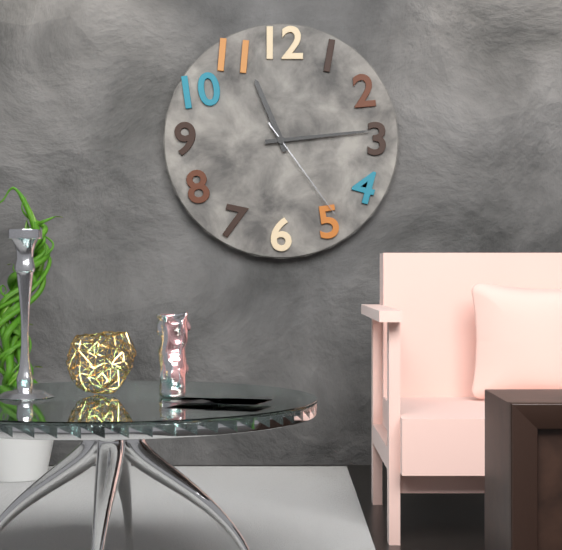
11:14:24
